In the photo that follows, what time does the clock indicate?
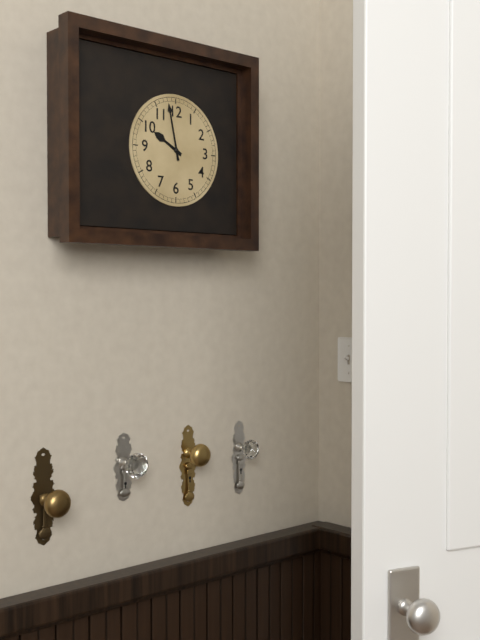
9:58
